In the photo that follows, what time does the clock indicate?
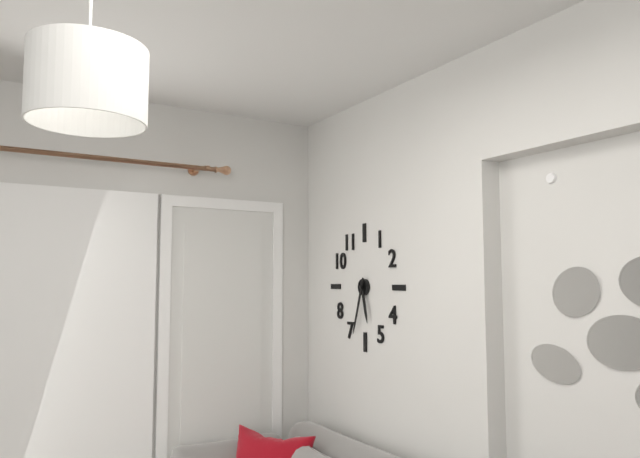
5:33
